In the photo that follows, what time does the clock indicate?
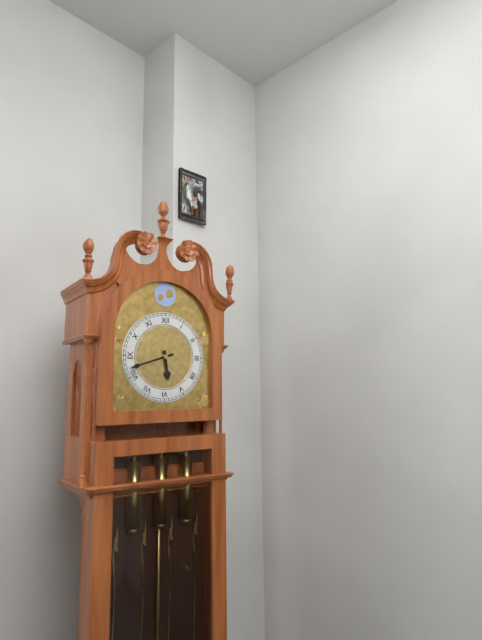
5:42
